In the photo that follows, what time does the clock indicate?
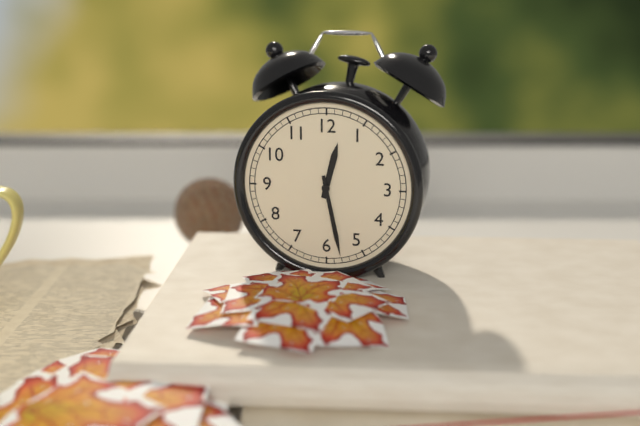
12:28
